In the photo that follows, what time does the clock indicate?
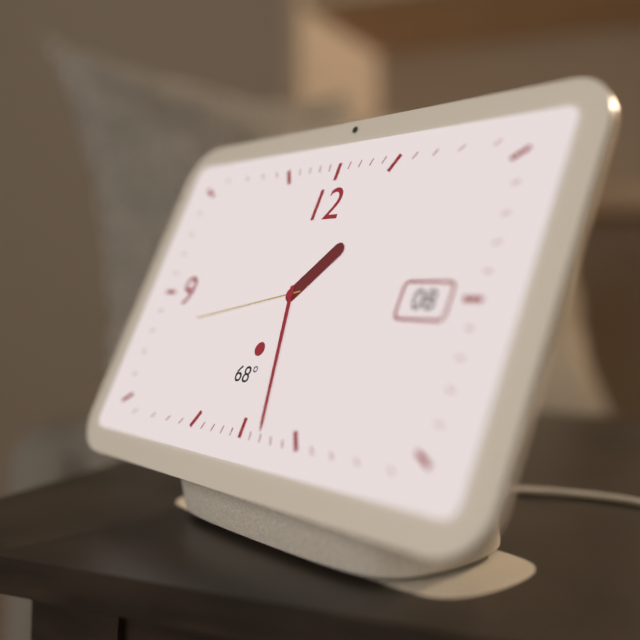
1:28:43
